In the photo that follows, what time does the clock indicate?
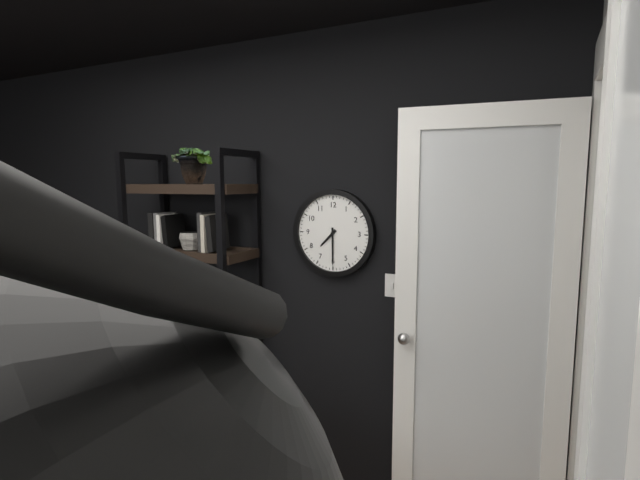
7:30
